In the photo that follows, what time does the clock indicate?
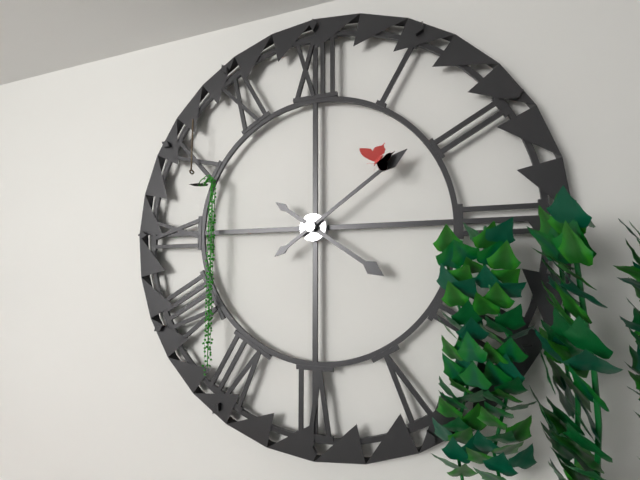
4:09
